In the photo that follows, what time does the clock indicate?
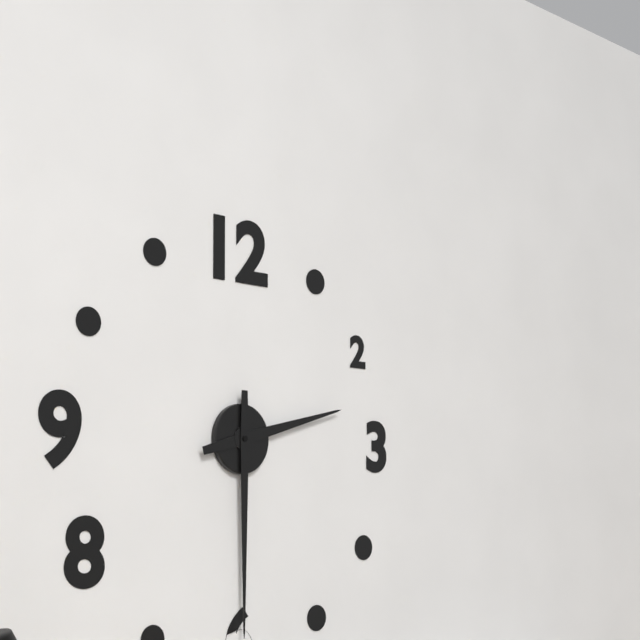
2:30
